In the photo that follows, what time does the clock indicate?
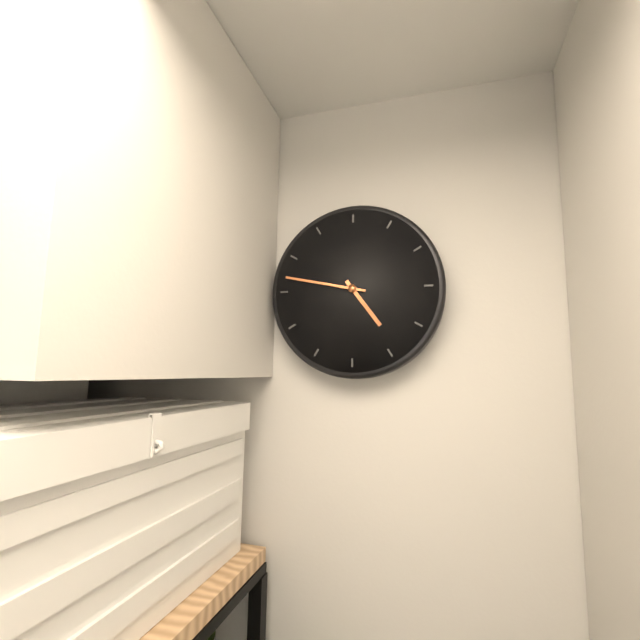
4:47
